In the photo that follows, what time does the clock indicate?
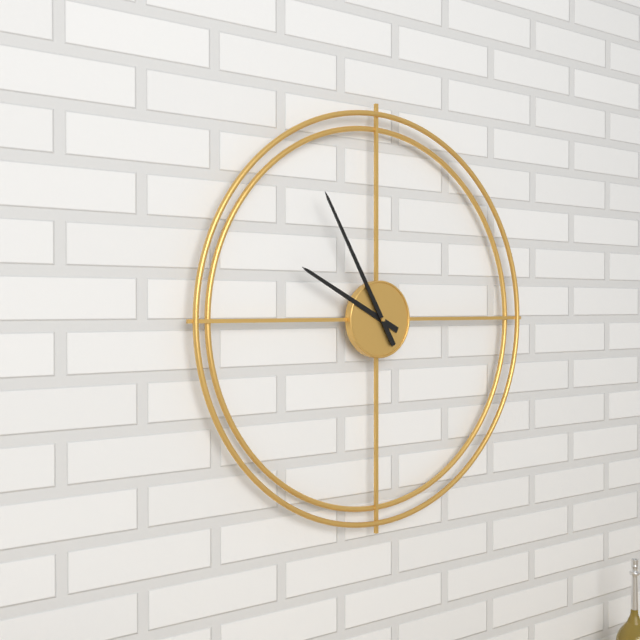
9:55
